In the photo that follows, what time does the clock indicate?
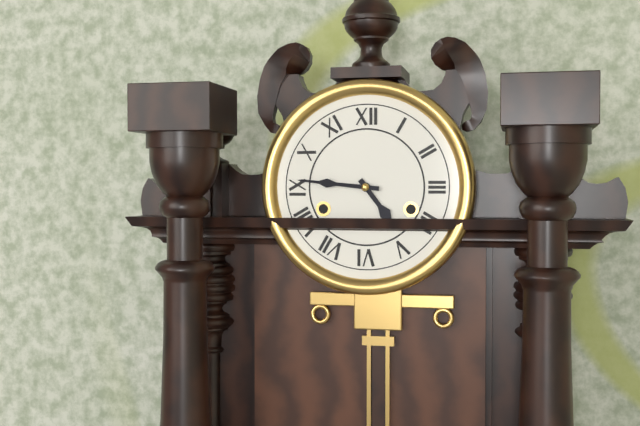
4:46
